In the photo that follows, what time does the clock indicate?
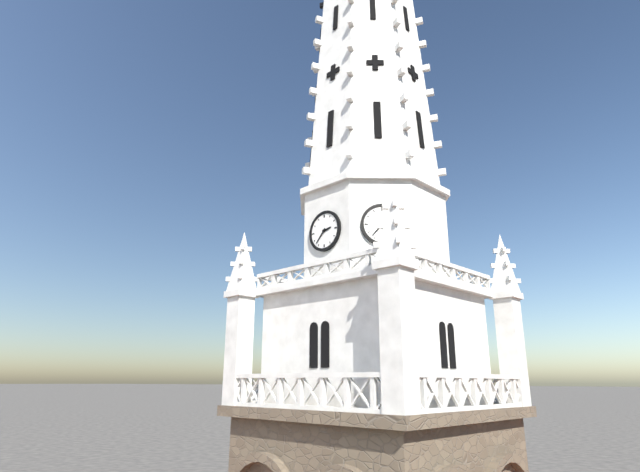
2:37
